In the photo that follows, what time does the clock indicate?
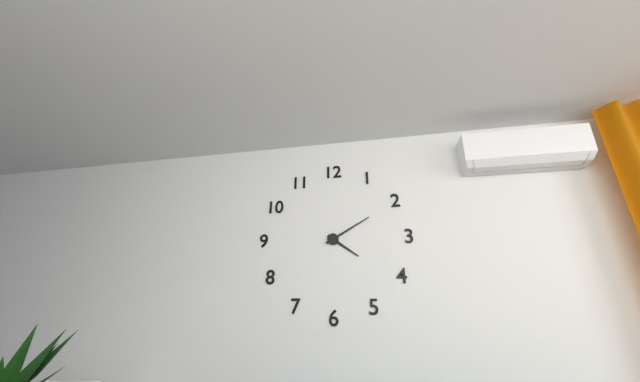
4:10
